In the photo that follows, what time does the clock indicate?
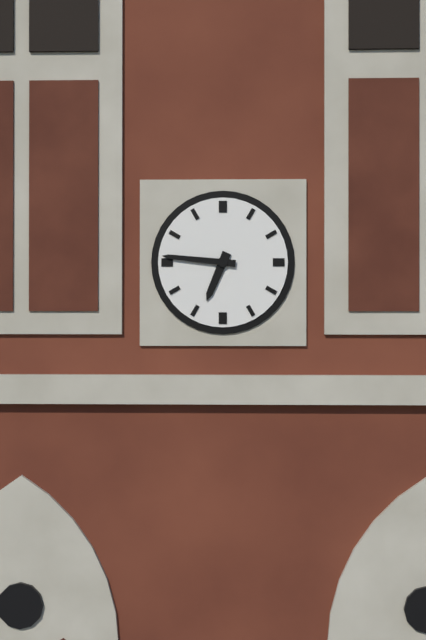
6:46
